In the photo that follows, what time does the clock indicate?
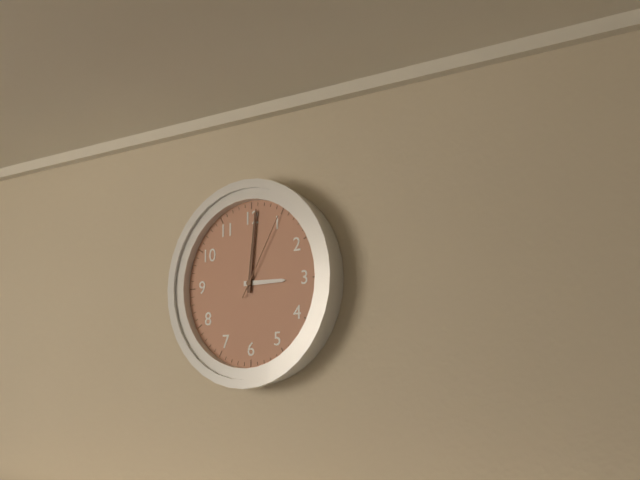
3:01:05
